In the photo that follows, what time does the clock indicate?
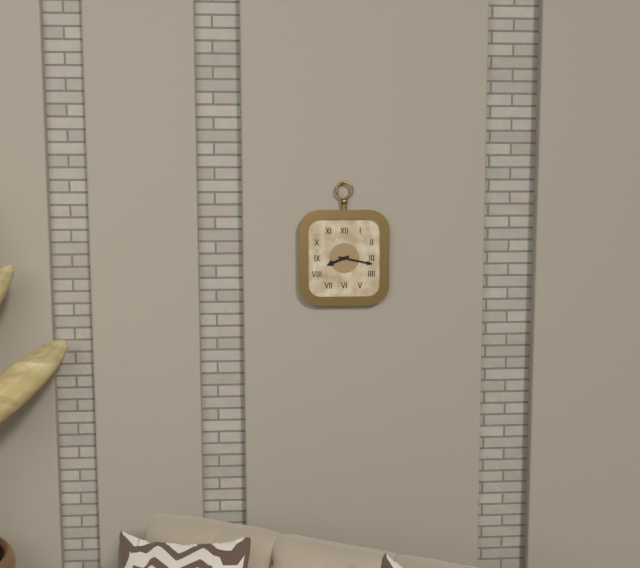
8:17
